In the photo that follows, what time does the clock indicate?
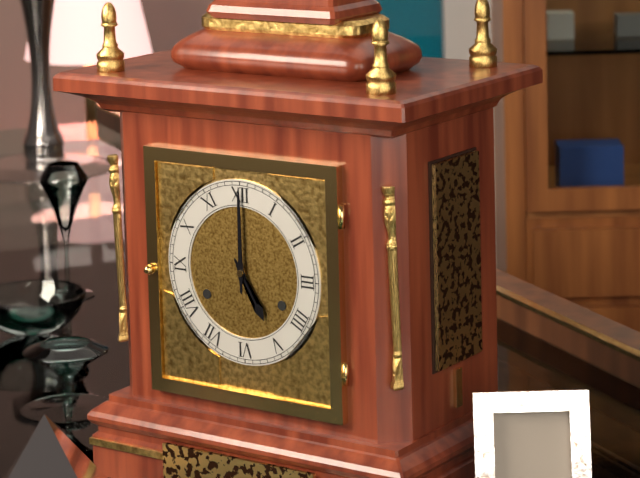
5:00
